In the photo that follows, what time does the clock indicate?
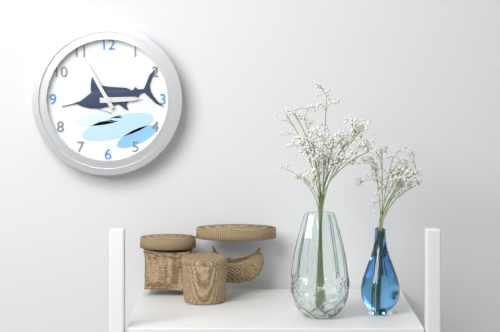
2:55
